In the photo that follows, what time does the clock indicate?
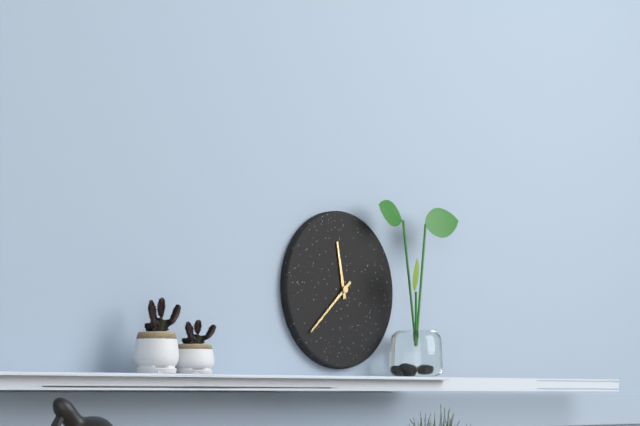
11:38
